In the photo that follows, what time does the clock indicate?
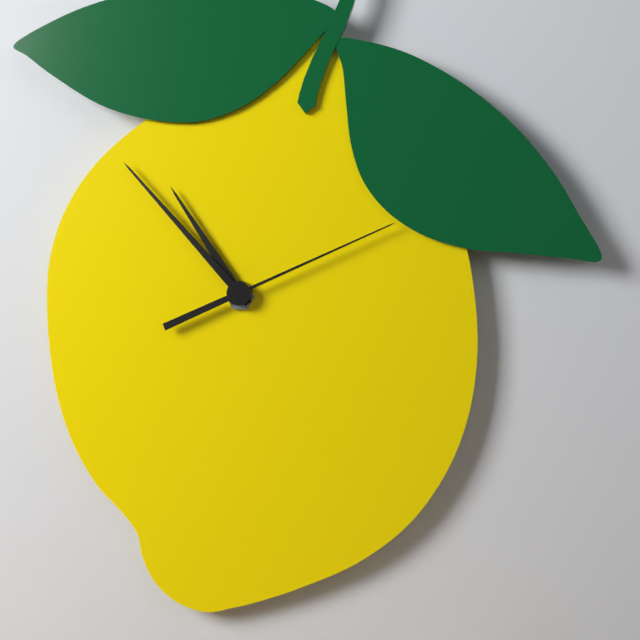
10:53:11
